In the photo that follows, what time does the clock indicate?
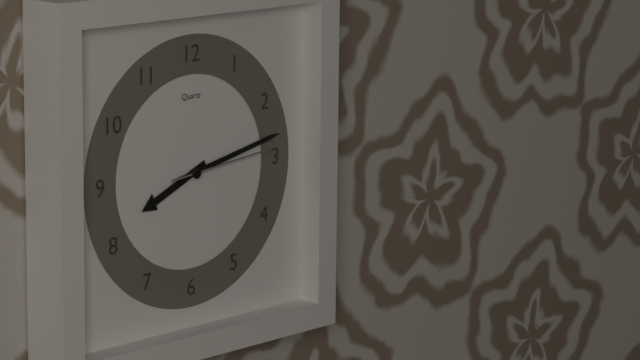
8:13:14
